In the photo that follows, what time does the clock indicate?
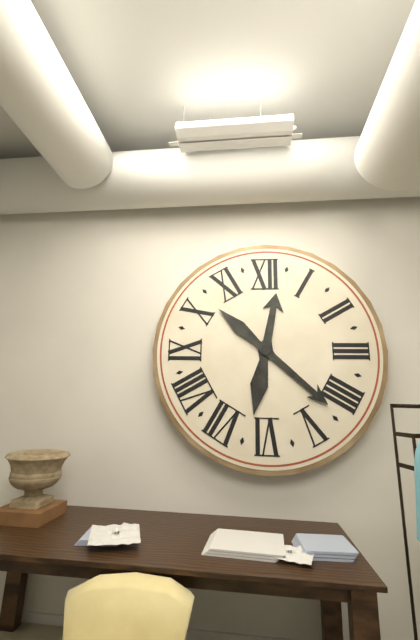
12:22
